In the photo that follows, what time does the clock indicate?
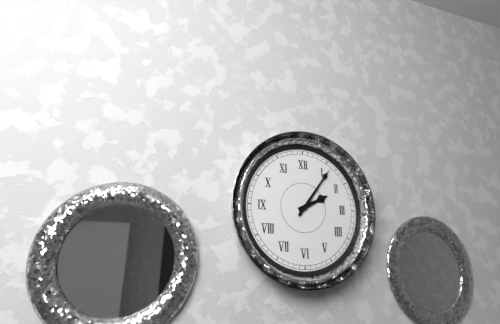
2:06
